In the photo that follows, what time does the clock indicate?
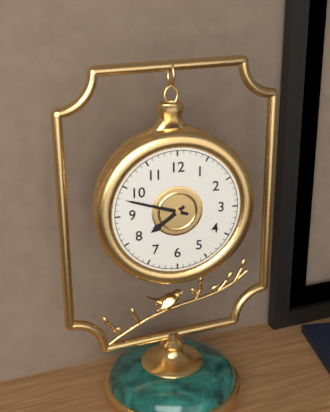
7:48
